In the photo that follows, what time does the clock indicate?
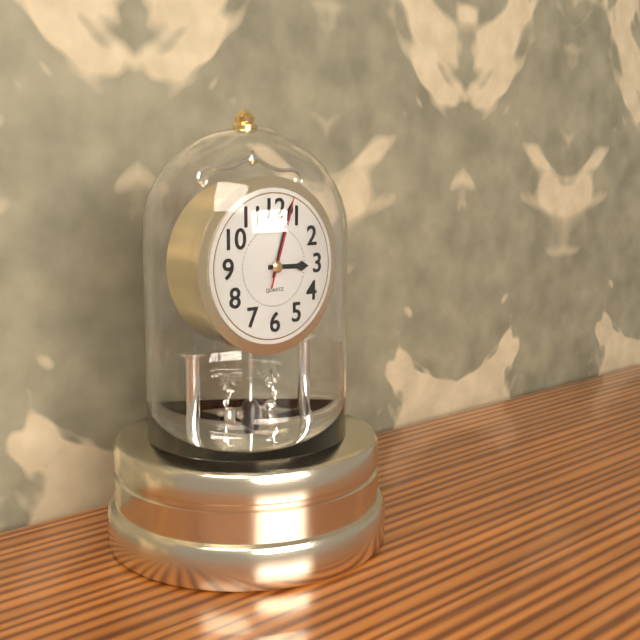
3:03:03
